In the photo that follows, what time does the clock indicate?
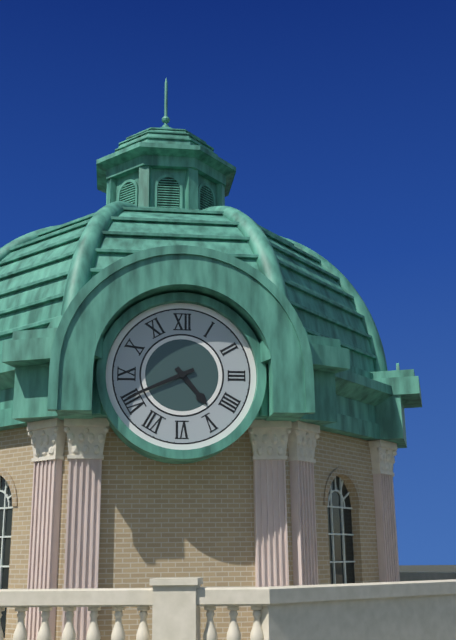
4:41
